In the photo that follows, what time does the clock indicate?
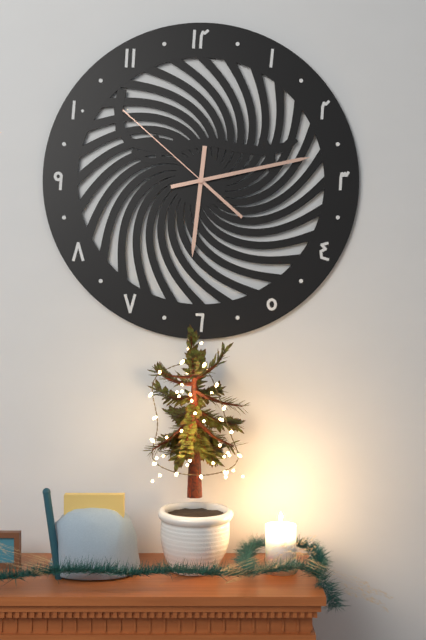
6:13:52
